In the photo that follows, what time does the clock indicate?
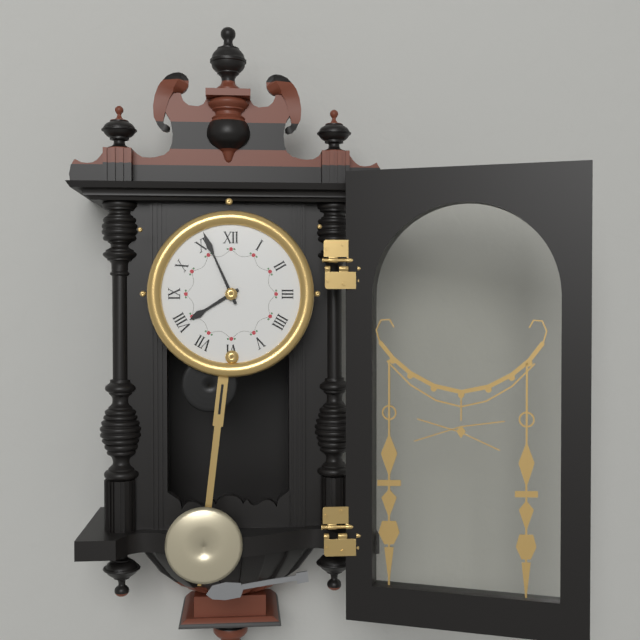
7:56
